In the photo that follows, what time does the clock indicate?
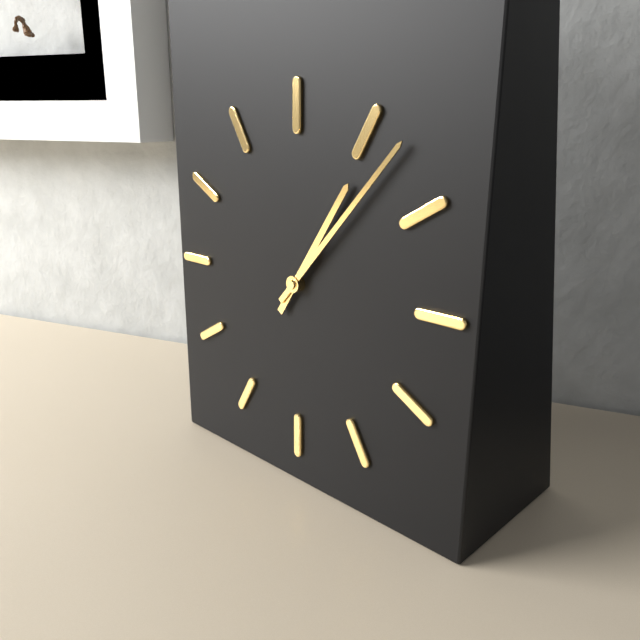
1:07
